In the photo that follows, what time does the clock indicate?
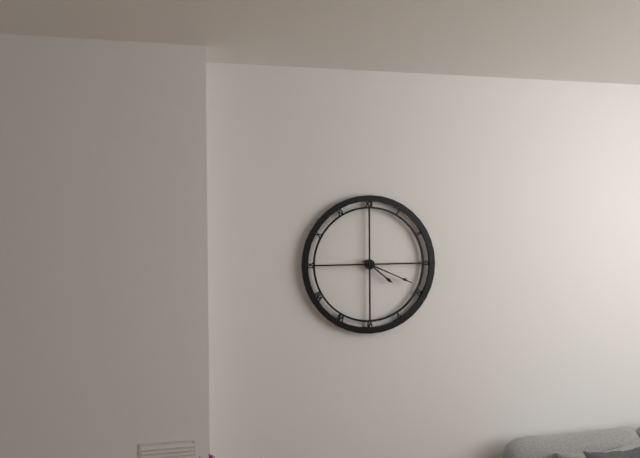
4:19
